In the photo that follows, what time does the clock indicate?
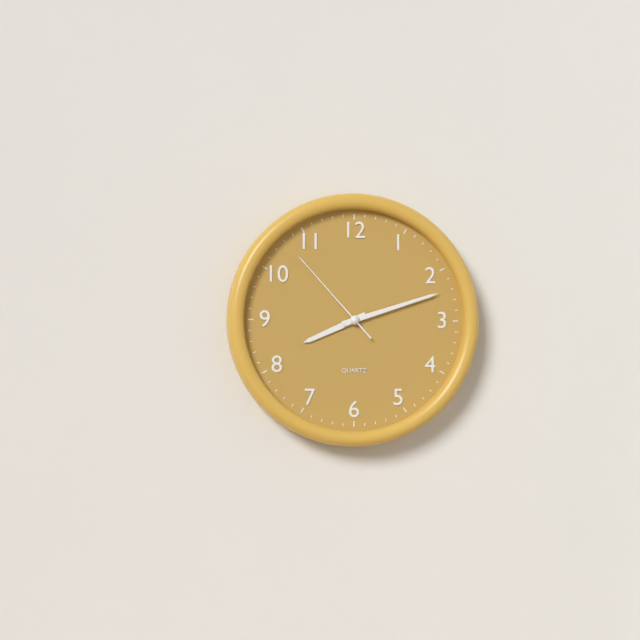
8:12:53
